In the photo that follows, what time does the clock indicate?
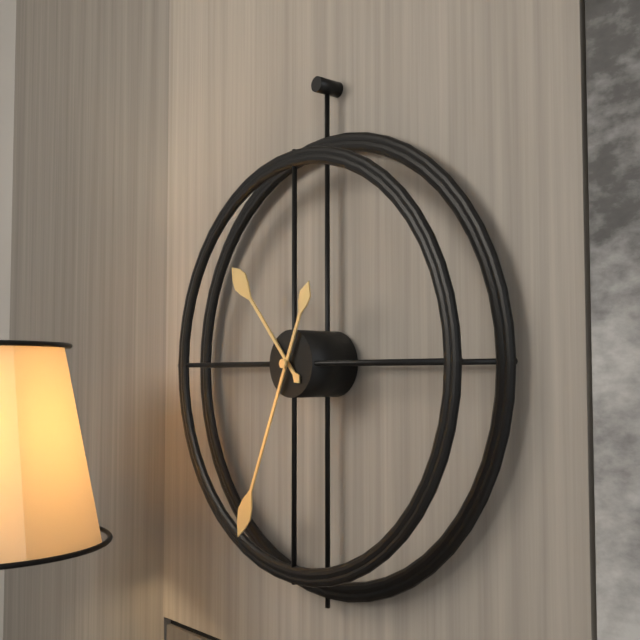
10:34
